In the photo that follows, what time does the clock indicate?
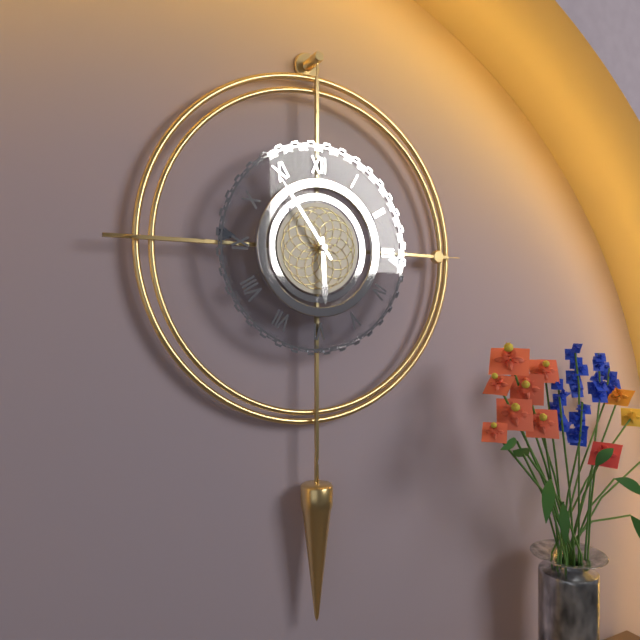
5:54
